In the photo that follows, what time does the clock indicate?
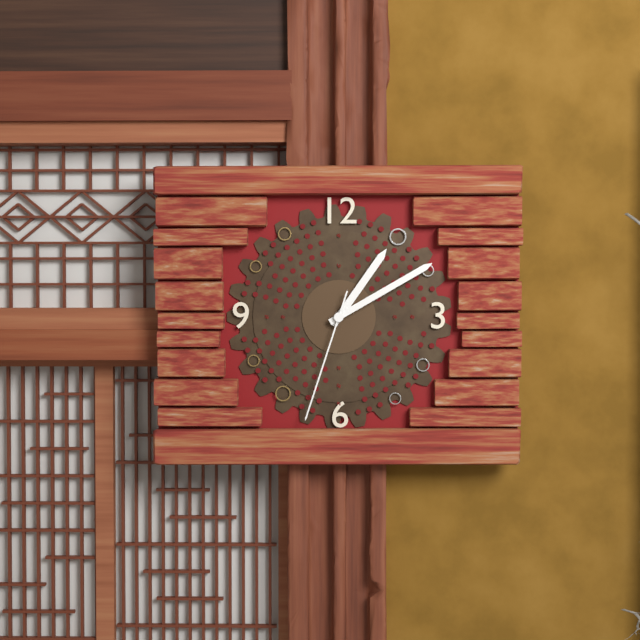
1:10:33
